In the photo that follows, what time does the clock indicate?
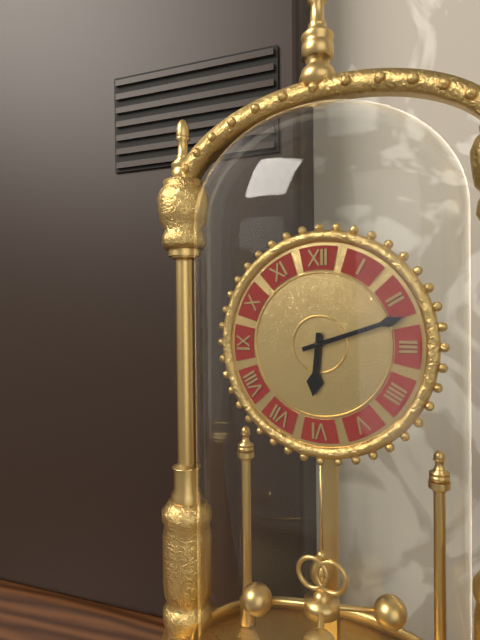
6:12
